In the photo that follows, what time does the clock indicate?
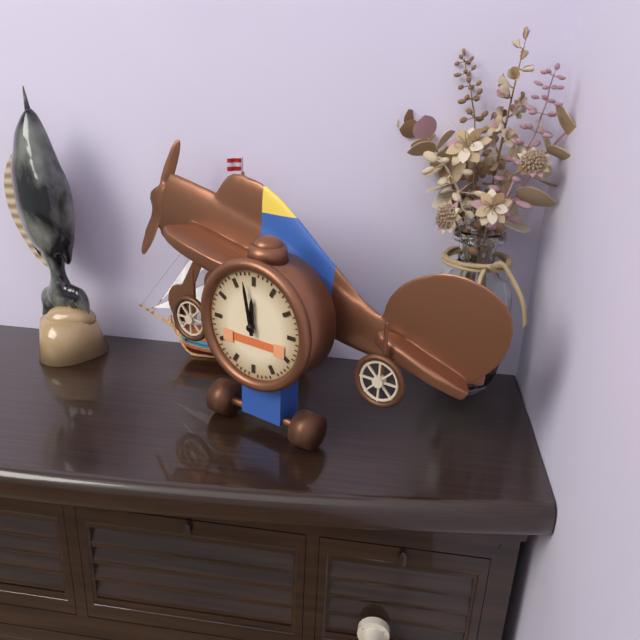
11:58
